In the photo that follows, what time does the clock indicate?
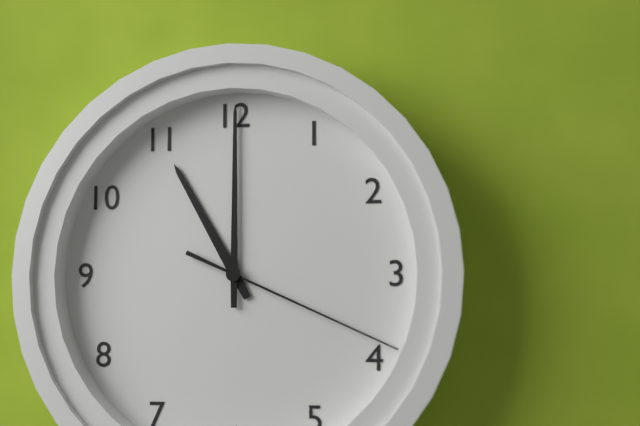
11:00:19
